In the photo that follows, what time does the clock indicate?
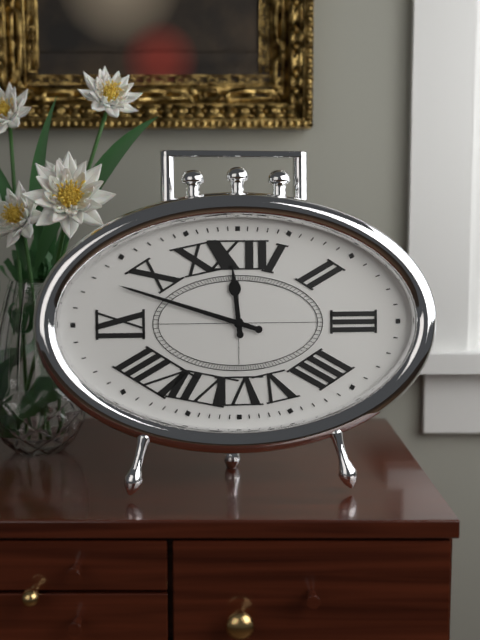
11:48
